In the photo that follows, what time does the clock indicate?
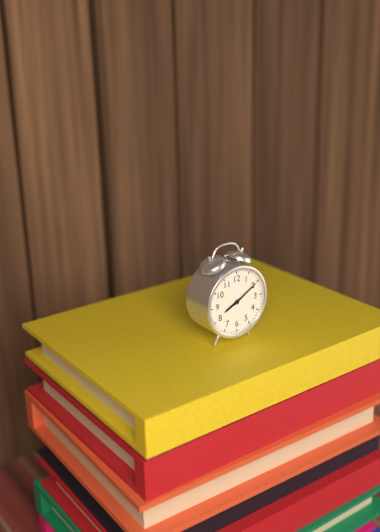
8:10
